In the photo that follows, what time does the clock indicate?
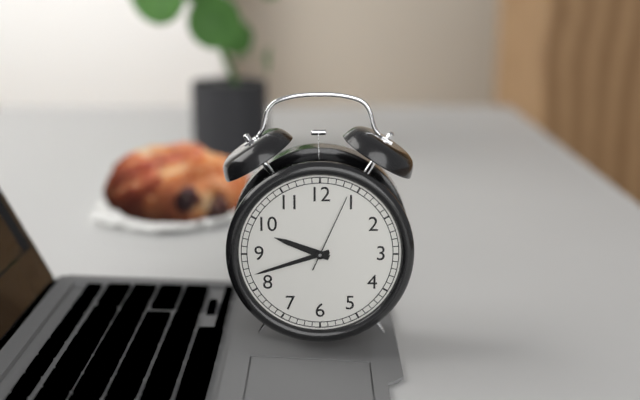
9:42:04
